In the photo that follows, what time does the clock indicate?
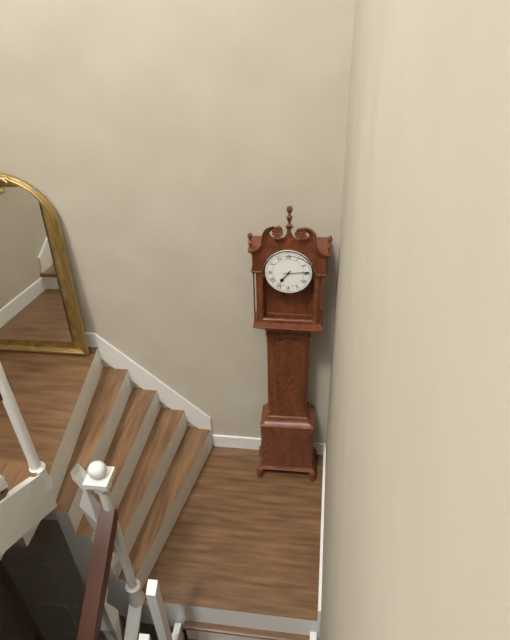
7:14
